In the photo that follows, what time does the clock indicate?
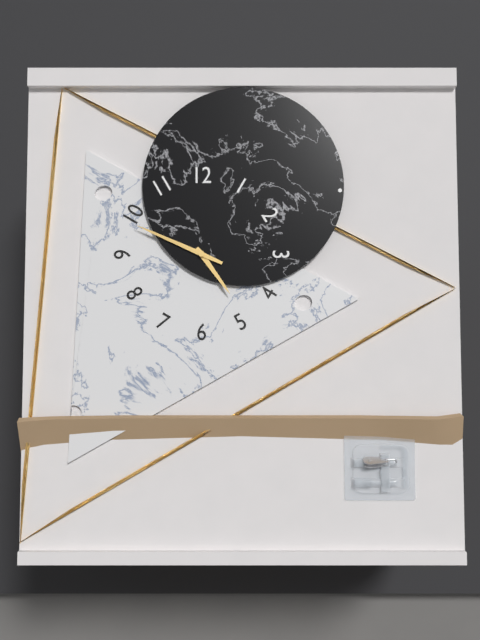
4:49
